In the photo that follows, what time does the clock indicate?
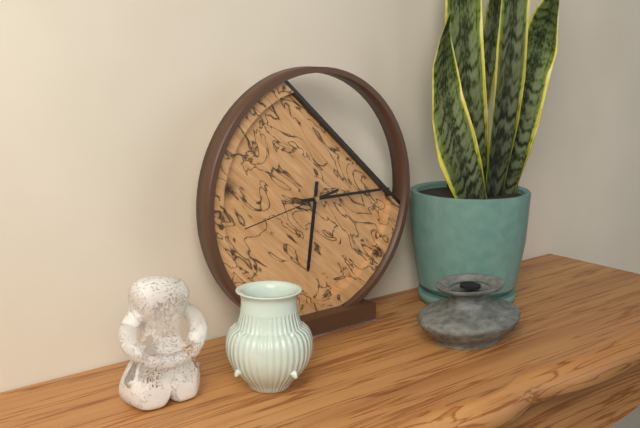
6:15:43
